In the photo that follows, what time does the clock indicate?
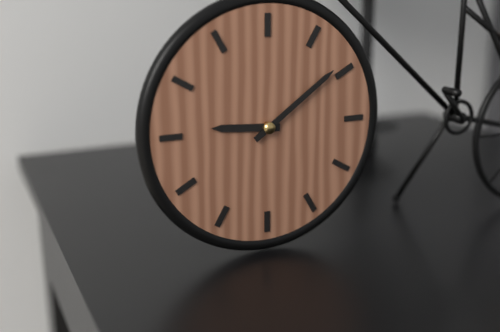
9:09
